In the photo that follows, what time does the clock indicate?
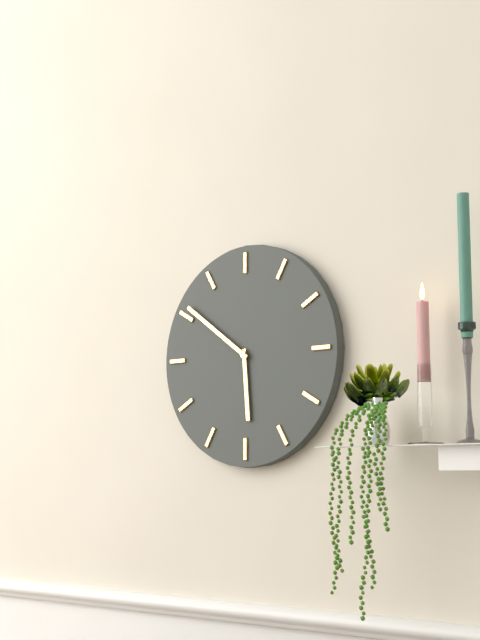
5:51
